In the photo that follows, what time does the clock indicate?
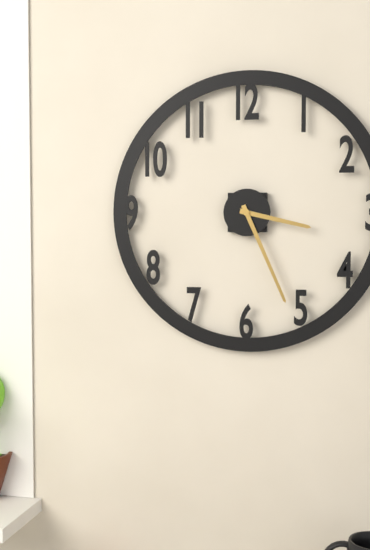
3:26
